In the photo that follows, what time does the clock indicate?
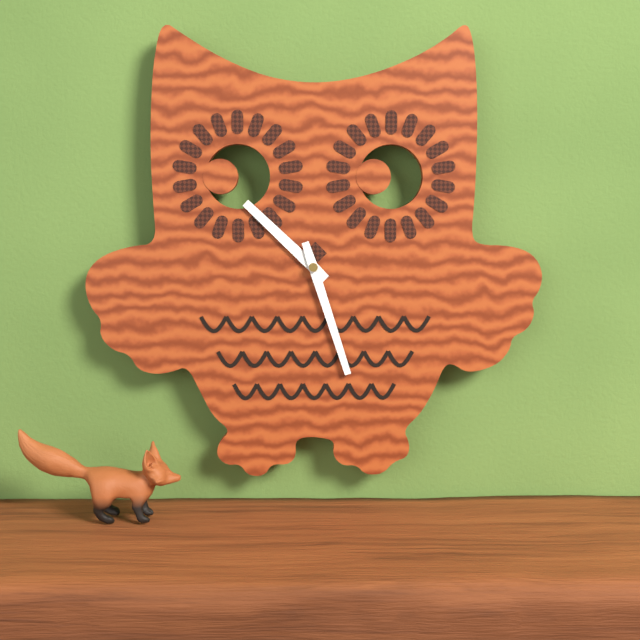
10:27
